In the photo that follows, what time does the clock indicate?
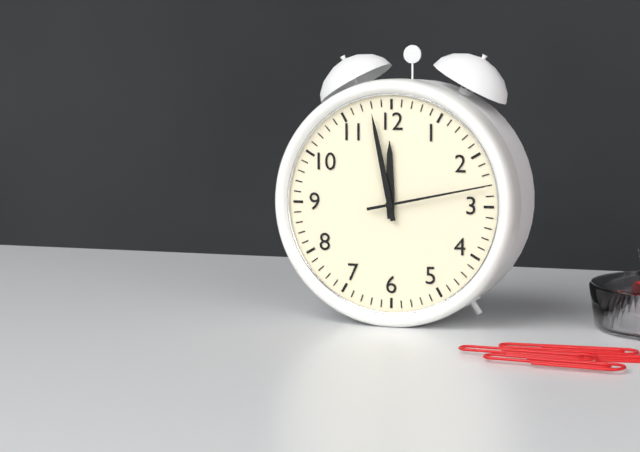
11:58:13
